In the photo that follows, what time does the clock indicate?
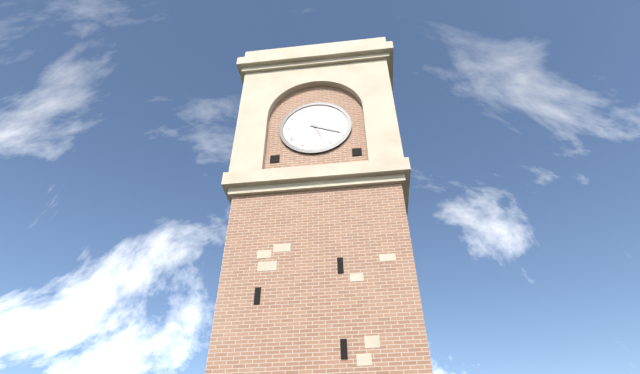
5:19
